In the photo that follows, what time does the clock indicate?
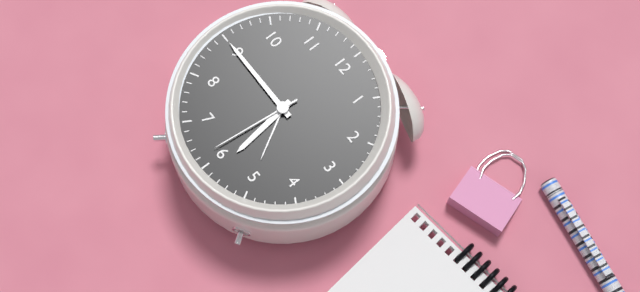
5:45:31
